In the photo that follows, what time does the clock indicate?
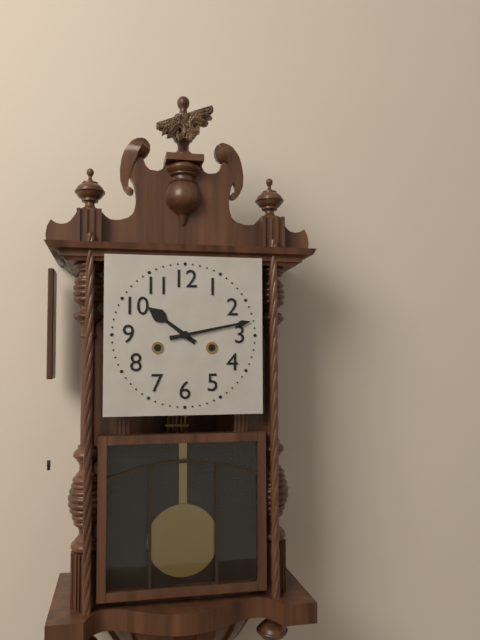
10:13
